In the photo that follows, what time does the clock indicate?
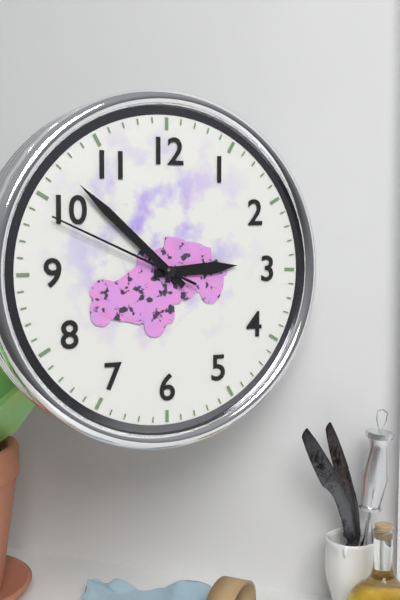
2:52:49
